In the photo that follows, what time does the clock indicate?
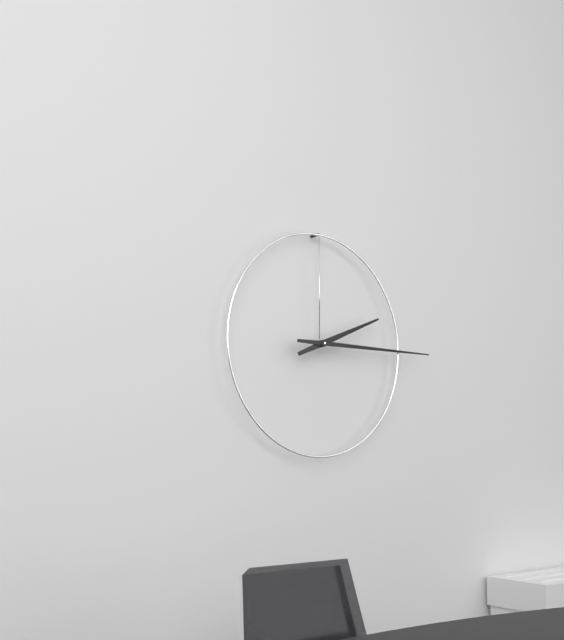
2:15
